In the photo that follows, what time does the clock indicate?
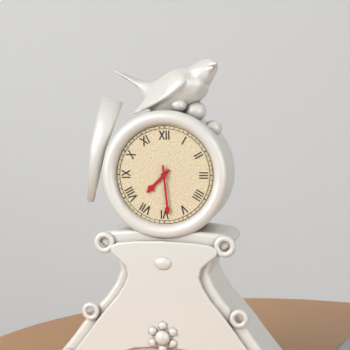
7:29
